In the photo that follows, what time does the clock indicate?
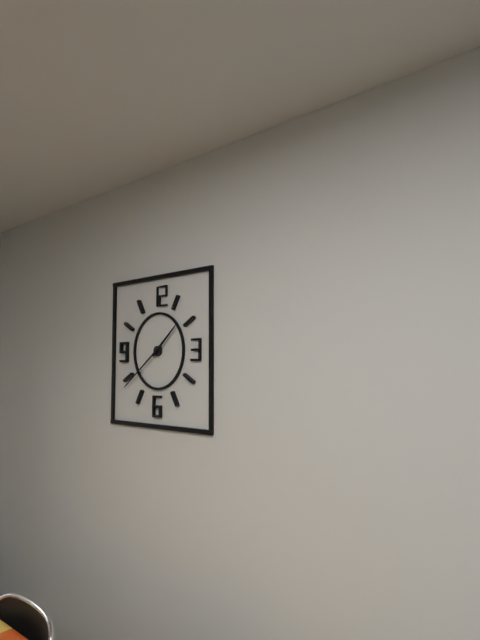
1:39
